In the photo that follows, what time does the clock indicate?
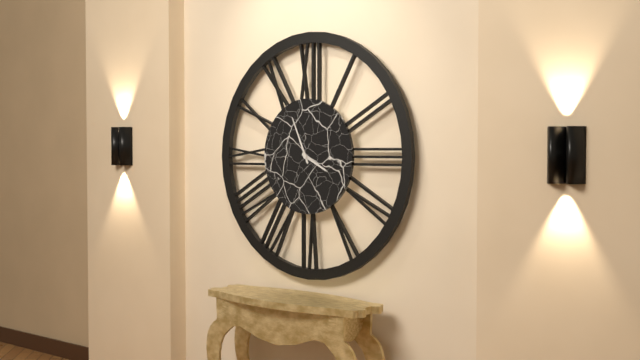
3:56
